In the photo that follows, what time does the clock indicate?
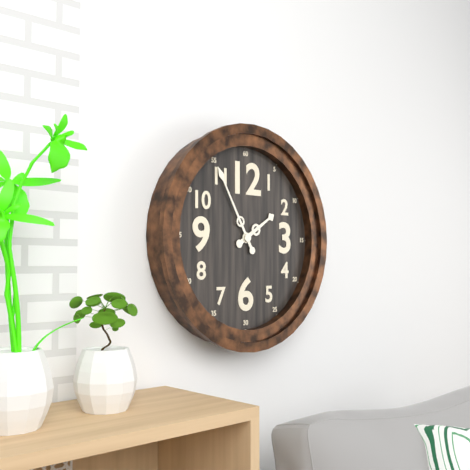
1:55
